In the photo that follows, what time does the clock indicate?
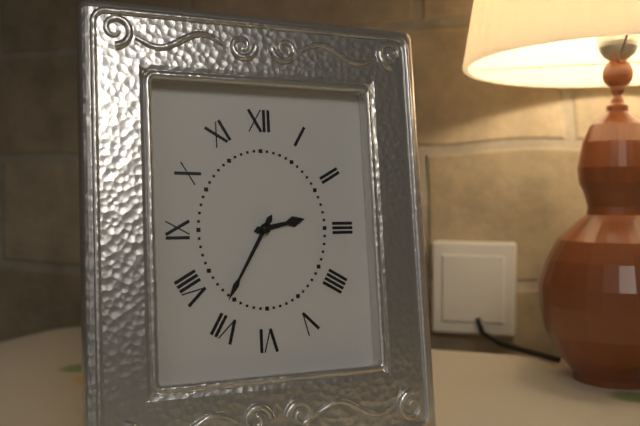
2:35
